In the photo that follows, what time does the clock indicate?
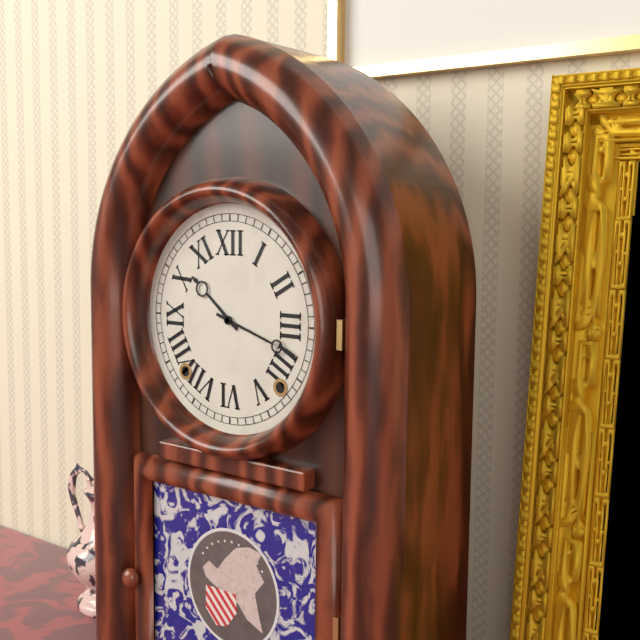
10:18
